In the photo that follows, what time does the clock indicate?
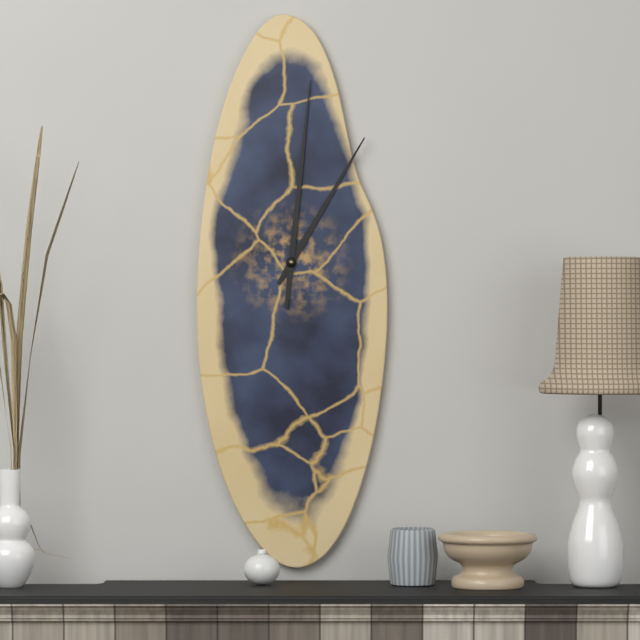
1:01
